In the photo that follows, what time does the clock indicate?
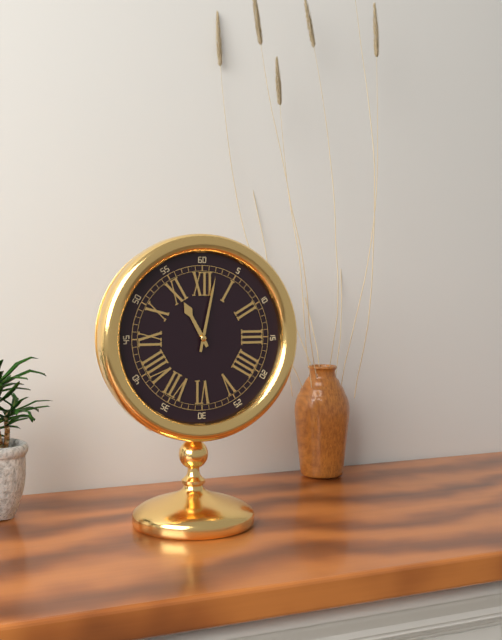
11:02
